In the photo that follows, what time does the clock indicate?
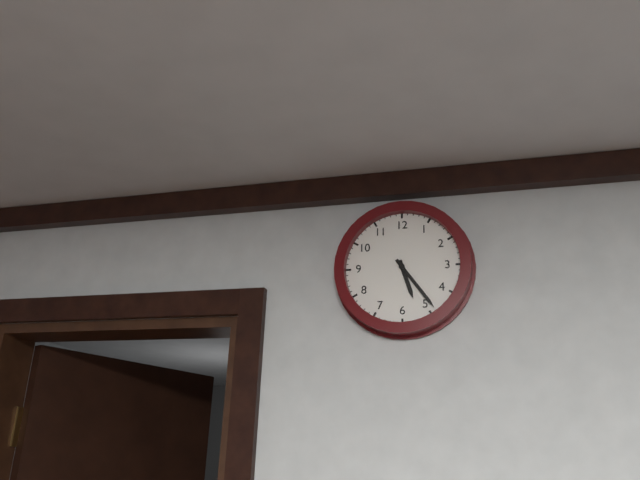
5:24
